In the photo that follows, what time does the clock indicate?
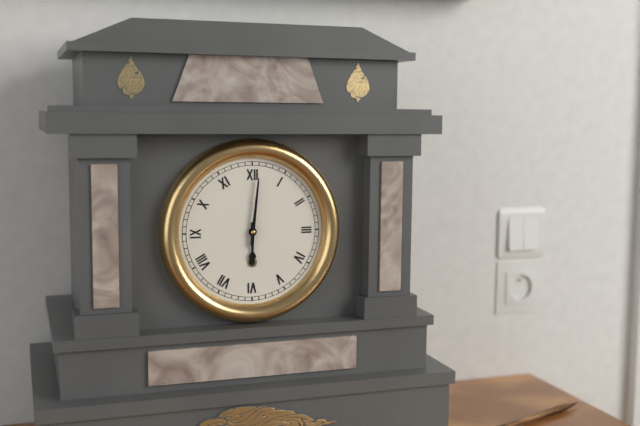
6:01
